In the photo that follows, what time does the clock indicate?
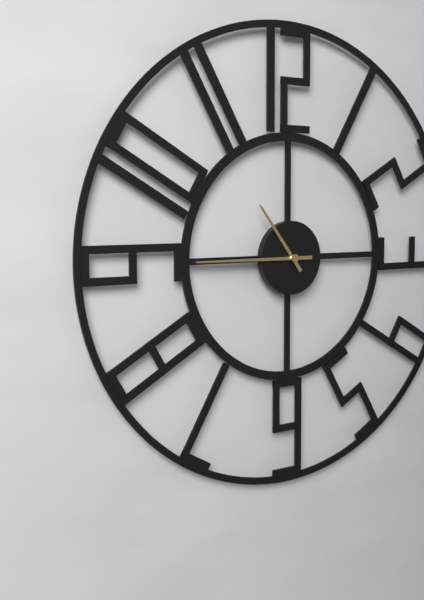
10:45
